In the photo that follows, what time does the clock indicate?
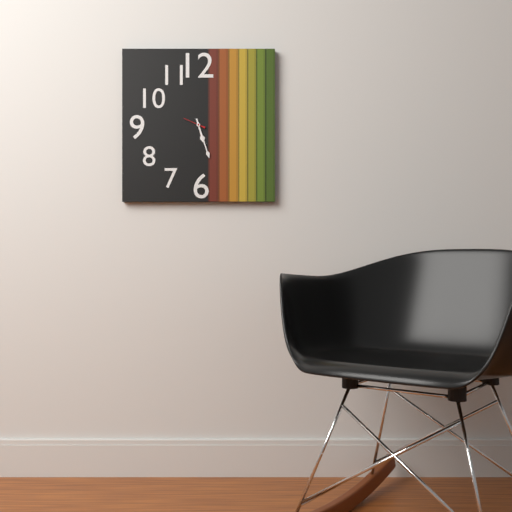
5:27
